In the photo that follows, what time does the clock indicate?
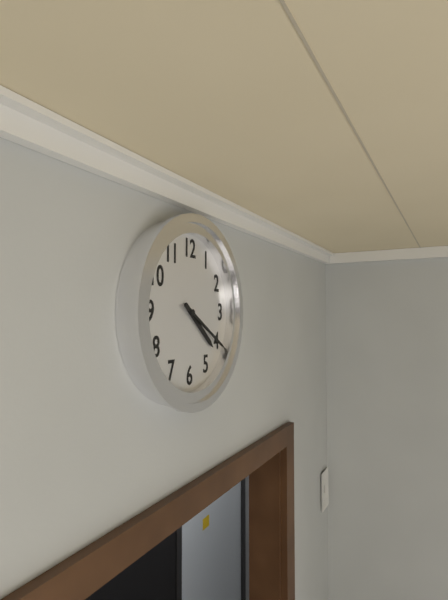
4:20
